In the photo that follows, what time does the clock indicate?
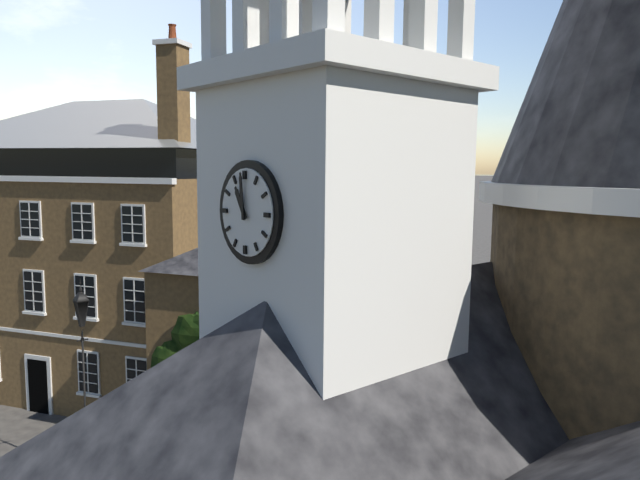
10:59
